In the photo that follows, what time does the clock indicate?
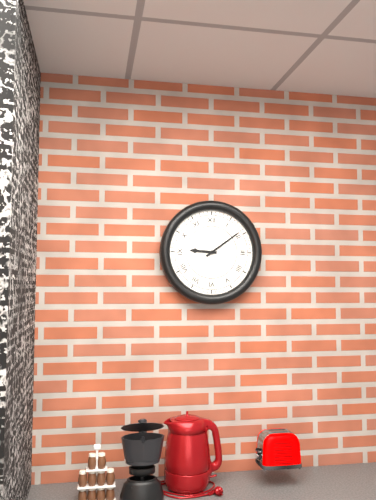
9:09
